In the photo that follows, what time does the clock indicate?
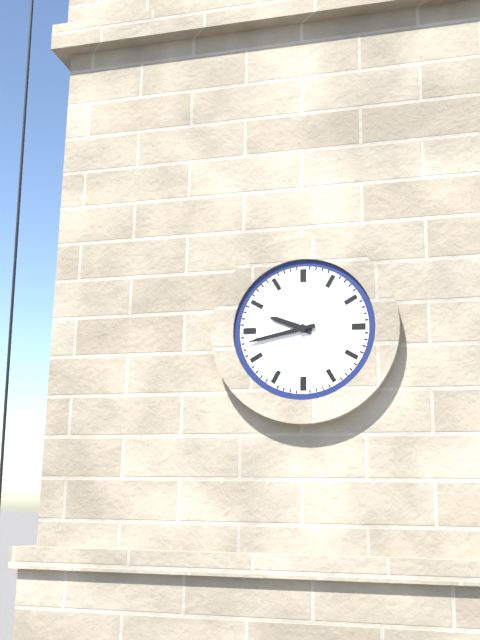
9:43
